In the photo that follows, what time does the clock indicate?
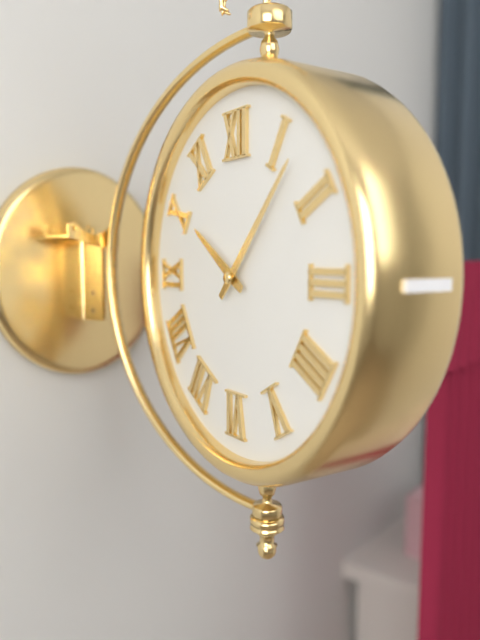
10:07
